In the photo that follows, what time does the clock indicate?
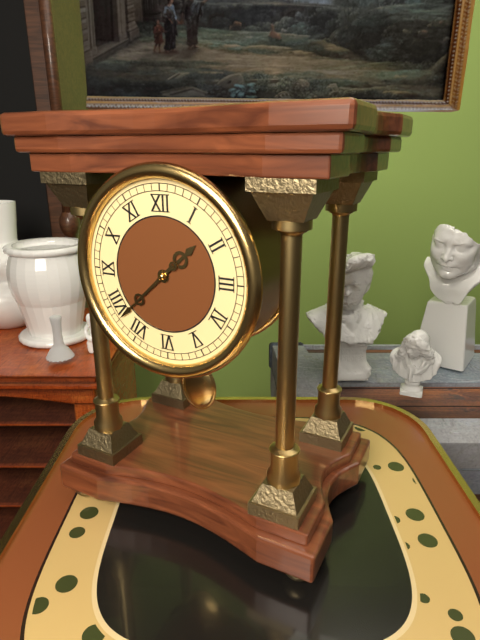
1:38
